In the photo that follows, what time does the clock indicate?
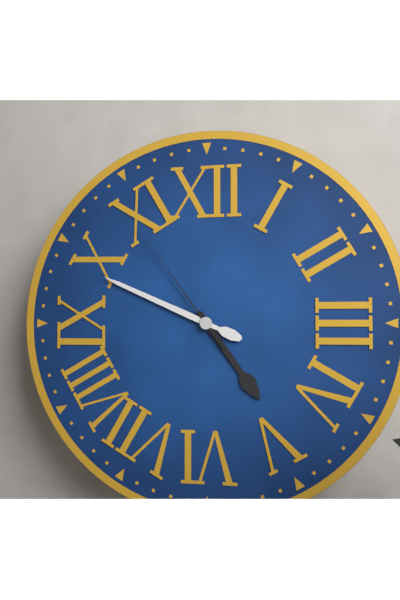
4:49:54
